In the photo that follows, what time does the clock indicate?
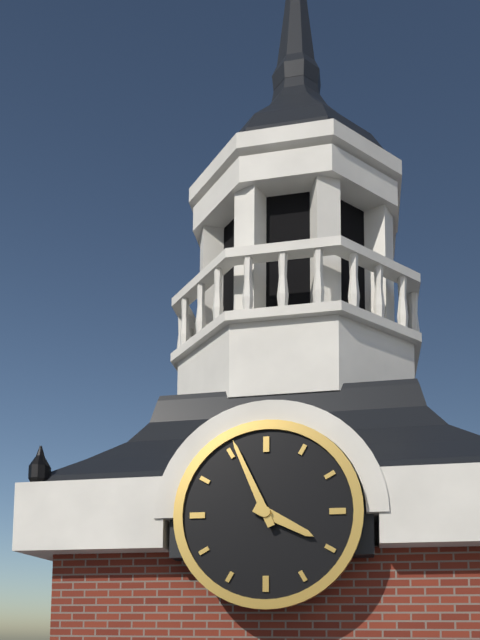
3:56
